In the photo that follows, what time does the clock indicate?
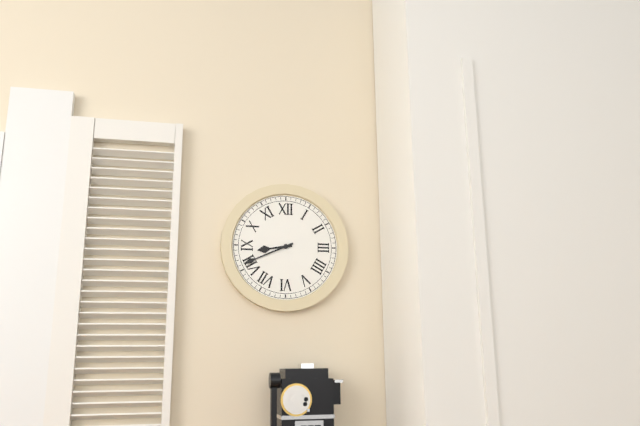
8:41
